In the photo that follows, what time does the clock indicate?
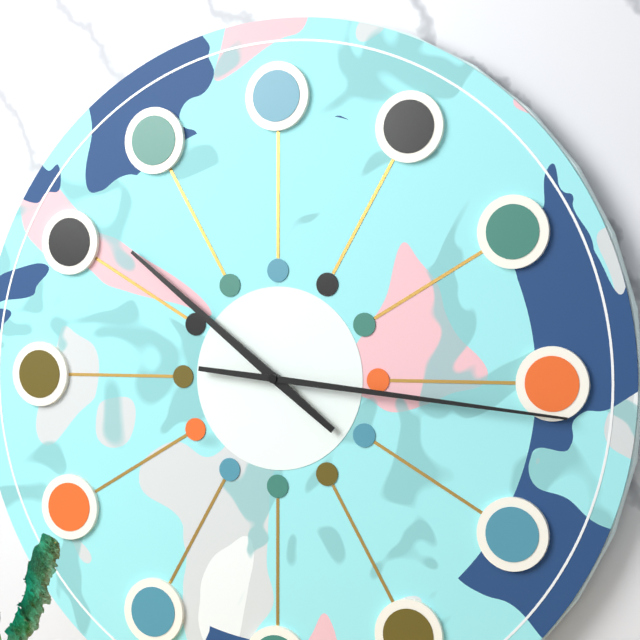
10:16
